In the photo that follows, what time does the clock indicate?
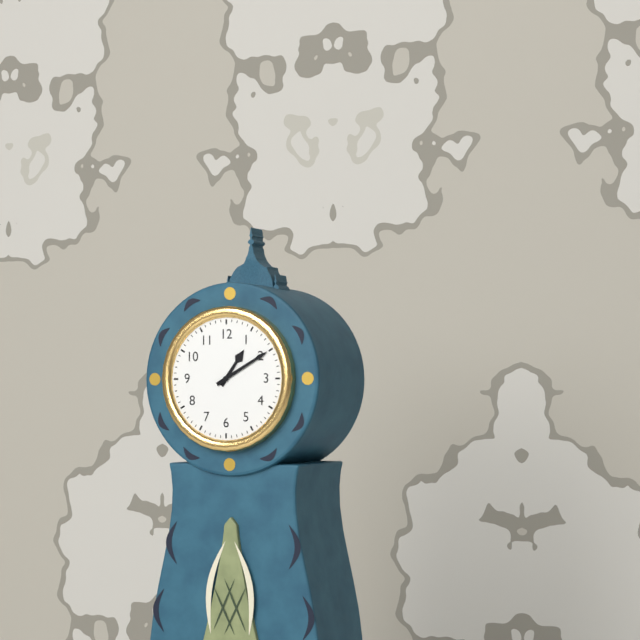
1:10
